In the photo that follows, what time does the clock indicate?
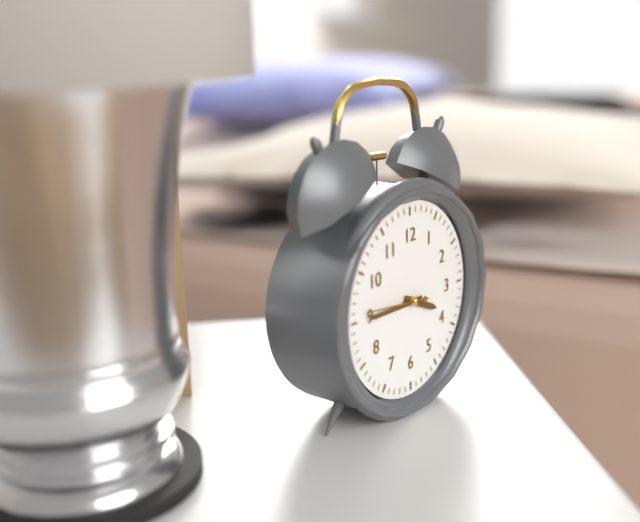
3:45:46
